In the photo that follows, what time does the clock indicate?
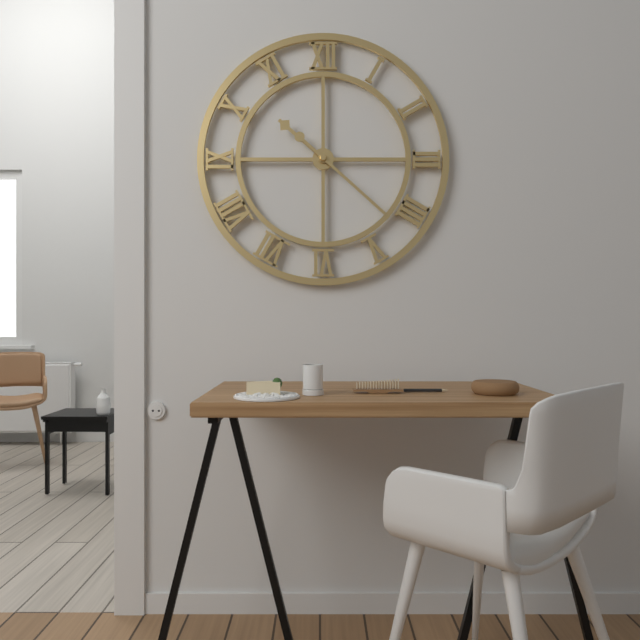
10:22
